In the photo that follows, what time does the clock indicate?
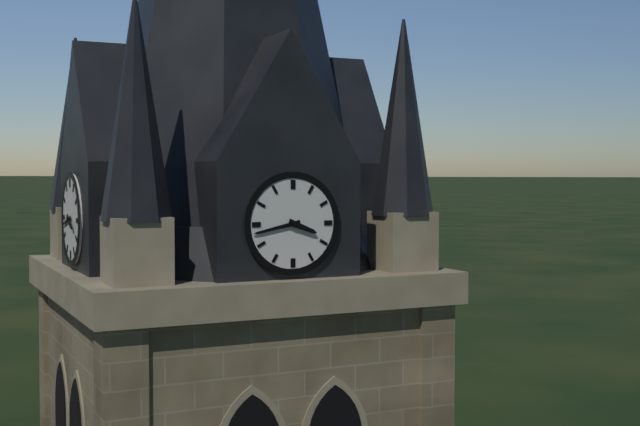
3:43
